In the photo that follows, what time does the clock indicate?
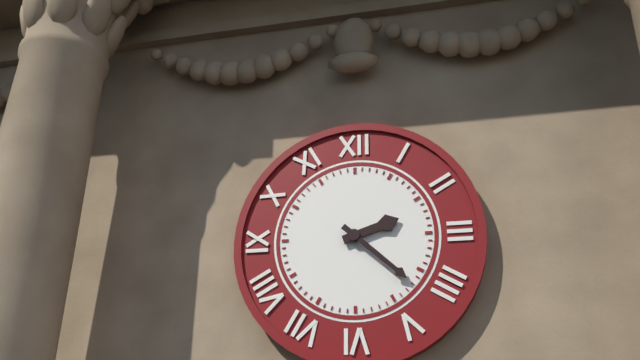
2:22
